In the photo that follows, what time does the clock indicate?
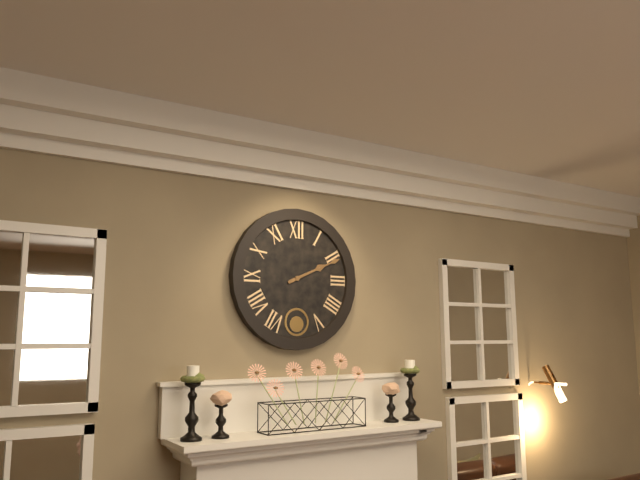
2:11
